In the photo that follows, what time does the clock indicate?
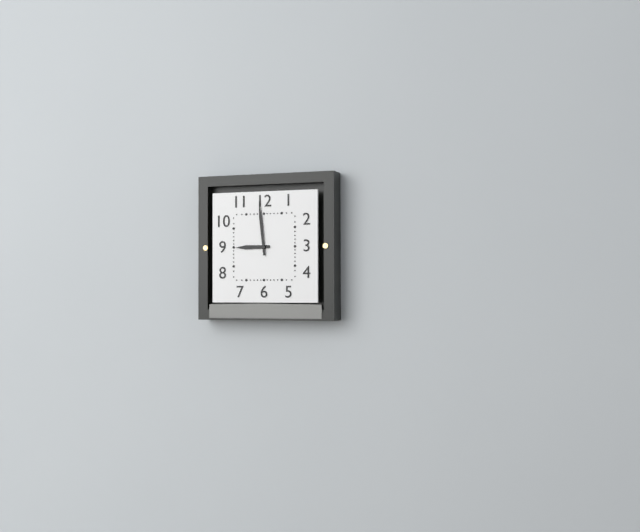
8:59
